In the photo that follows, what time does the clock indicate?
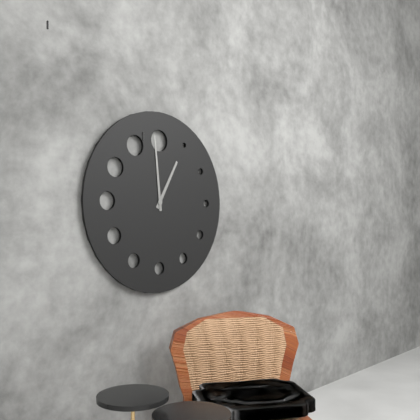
12:59
